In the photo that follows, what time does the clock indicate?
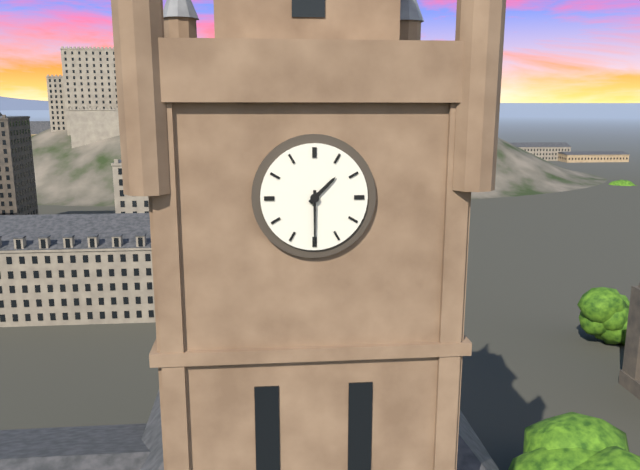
1:30
